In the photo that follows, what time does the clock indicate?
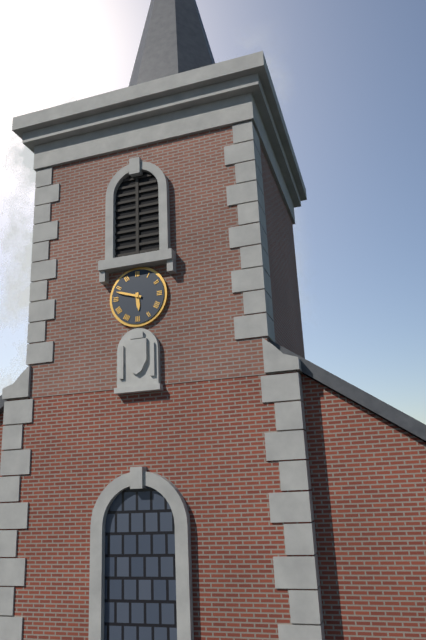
5:48
